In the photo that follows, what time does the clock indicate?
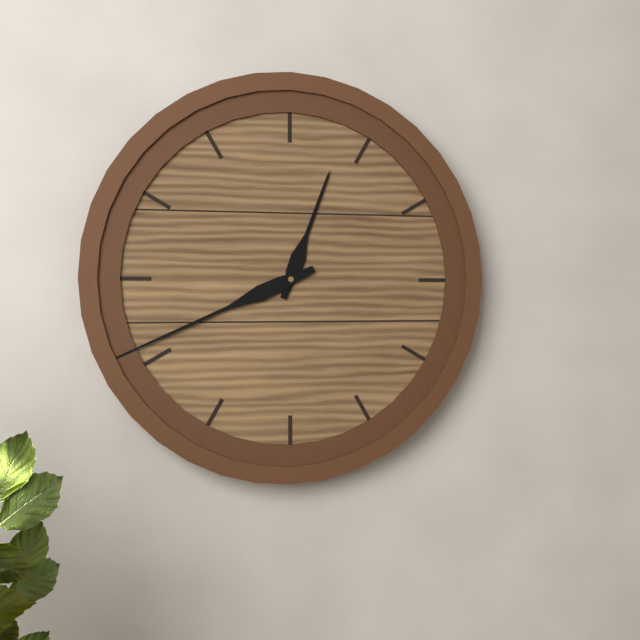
12:41
